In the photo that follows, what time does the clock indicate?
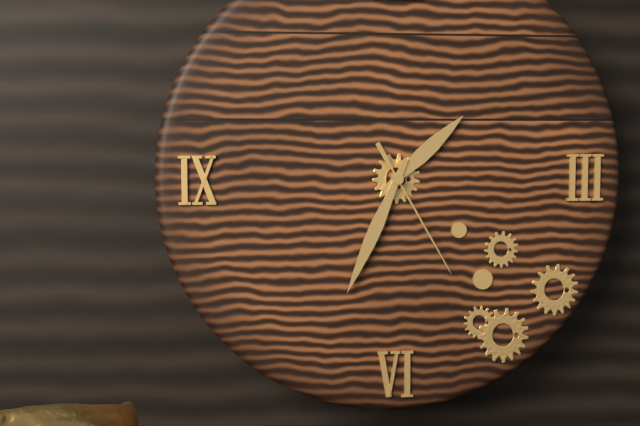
1:34:25
